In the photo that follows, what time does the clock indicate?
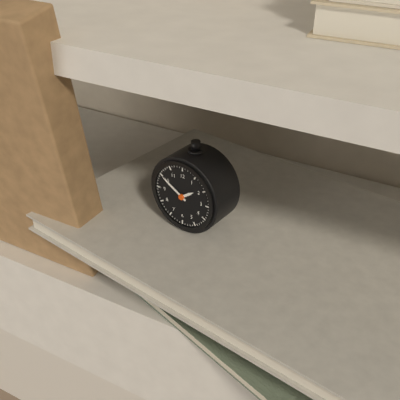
1:50
